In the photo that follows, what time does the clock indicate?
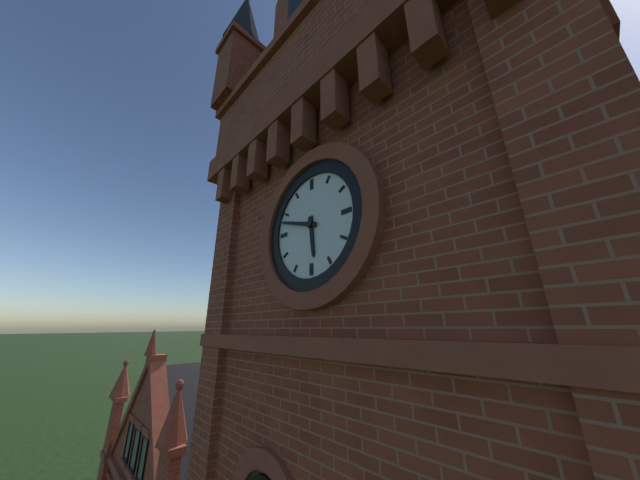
5:48
